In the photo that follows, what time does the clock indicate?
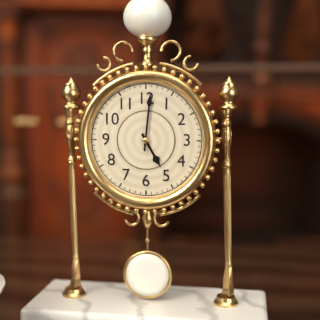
5:01
